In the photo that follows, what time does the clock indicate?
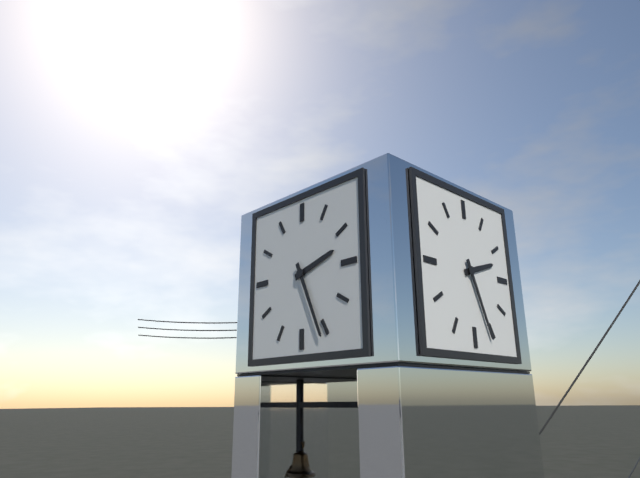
2:26
